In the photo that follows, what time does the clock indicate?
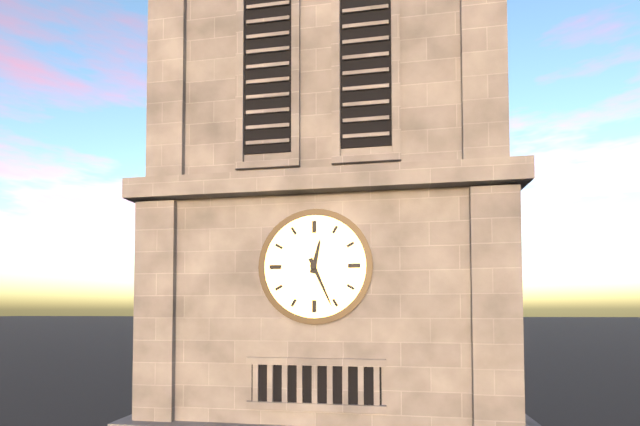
12:26
